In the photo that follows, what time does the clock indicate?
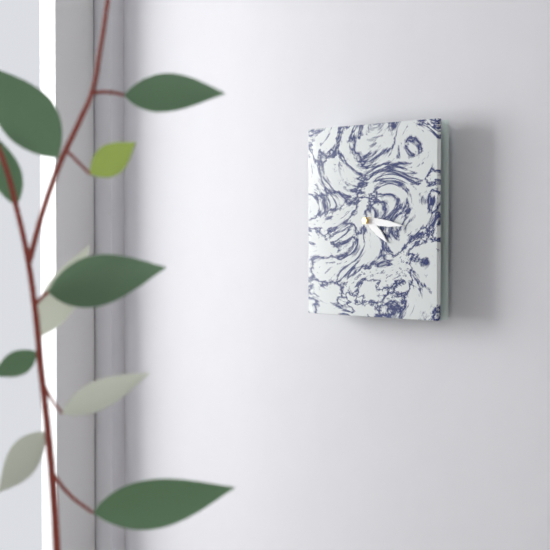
4:16
